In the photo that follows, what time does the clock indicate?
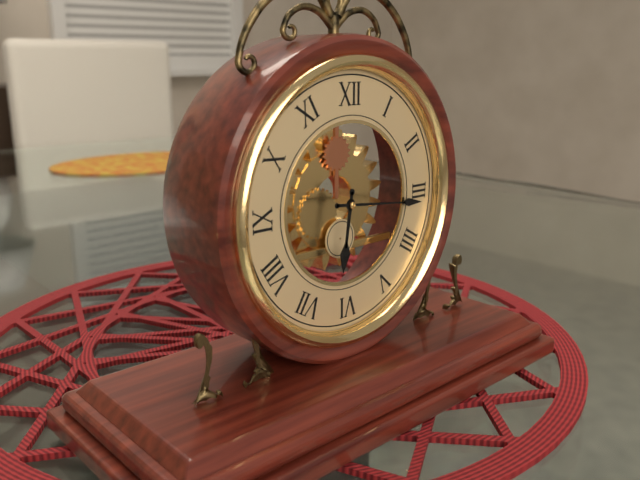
6:16
